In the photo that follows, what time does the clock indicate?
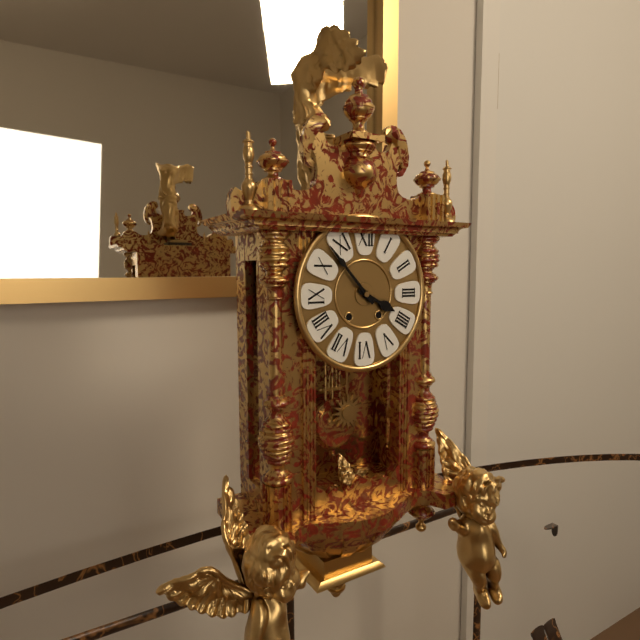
3:53
